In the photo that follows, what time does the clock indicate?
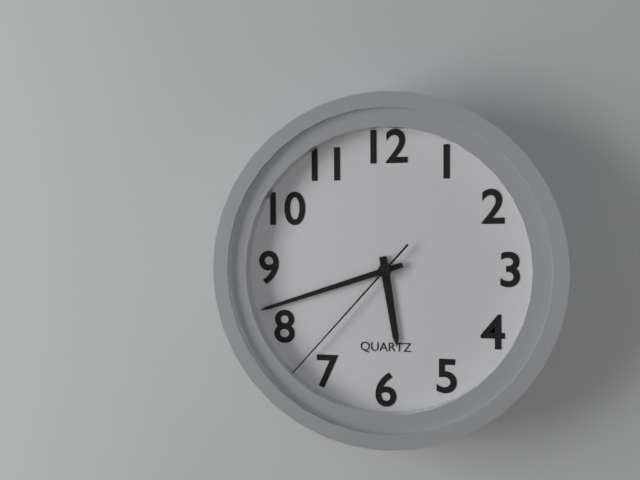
5:42:37
